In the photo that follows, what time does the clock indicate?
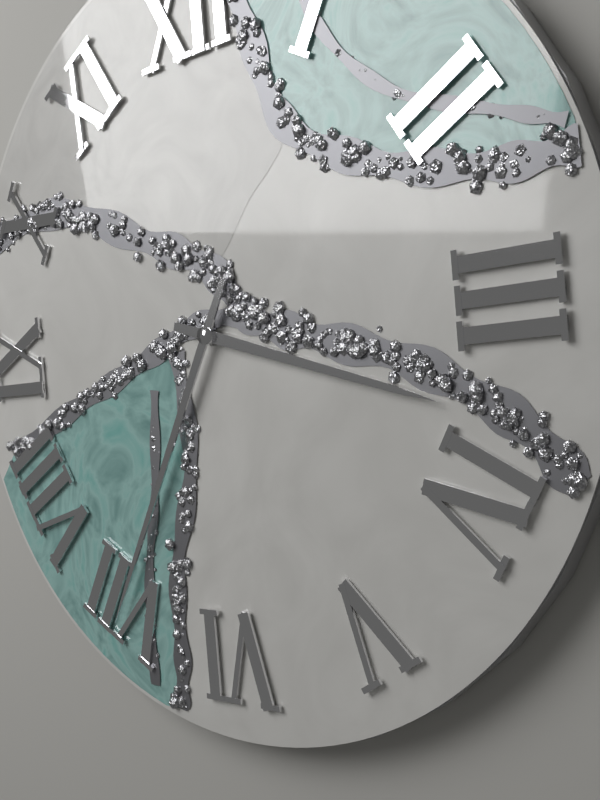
3:35
